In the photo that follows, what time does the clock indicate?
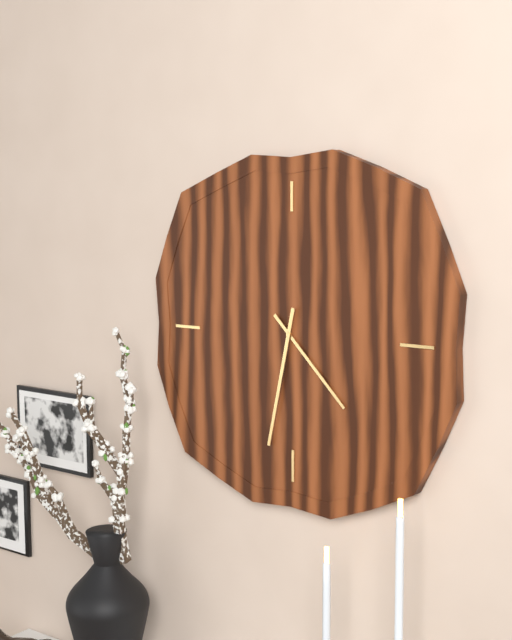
4:32
